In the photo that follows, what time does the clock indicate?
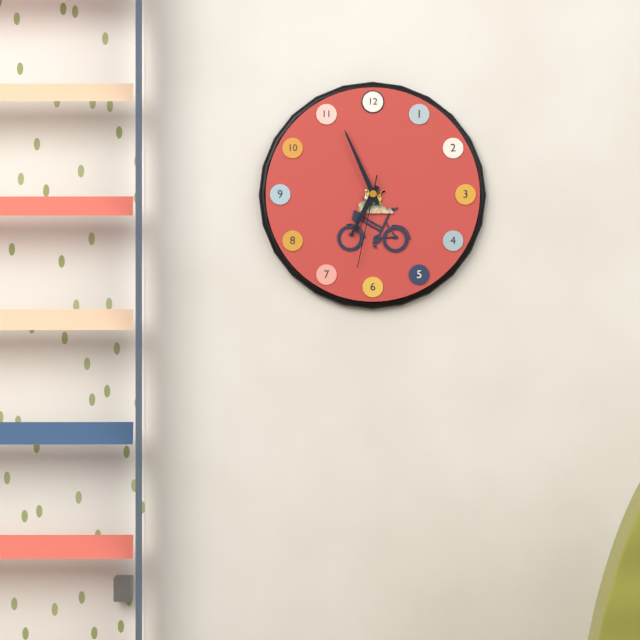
6:56:32
